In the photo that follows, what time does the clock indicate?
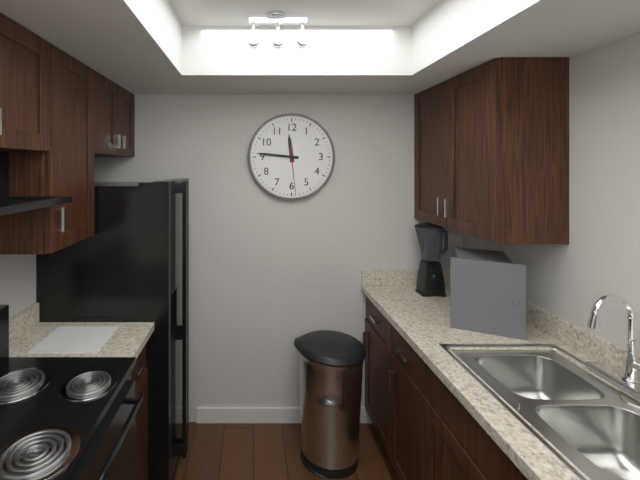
11:46
